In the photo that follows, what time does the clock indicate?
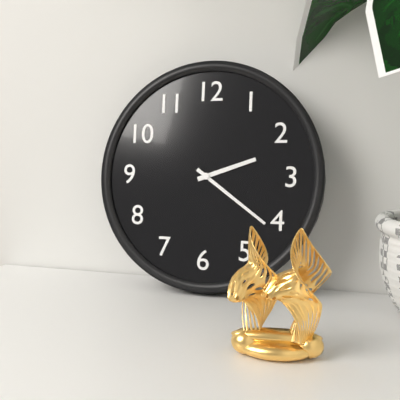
2:21
